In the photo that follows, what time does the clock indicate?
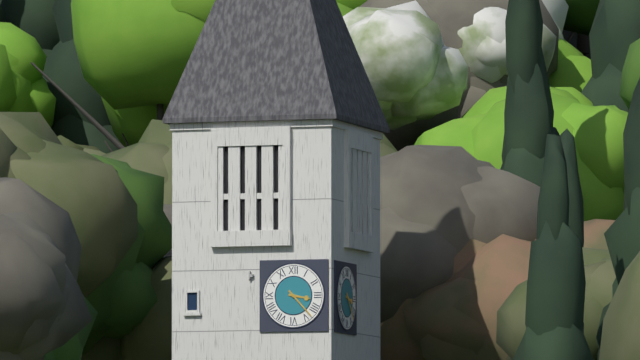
3:23
